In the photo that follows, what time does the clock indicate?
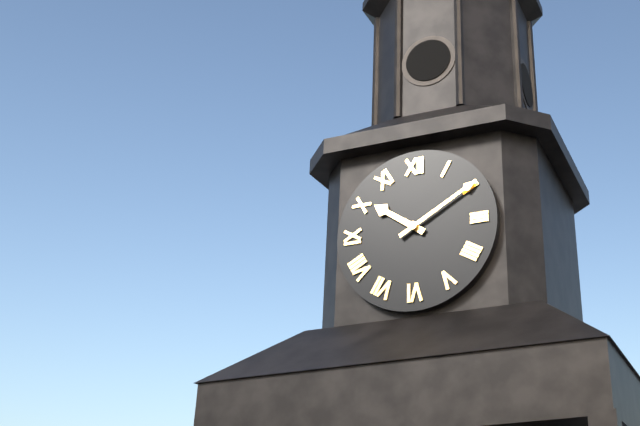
10:10
